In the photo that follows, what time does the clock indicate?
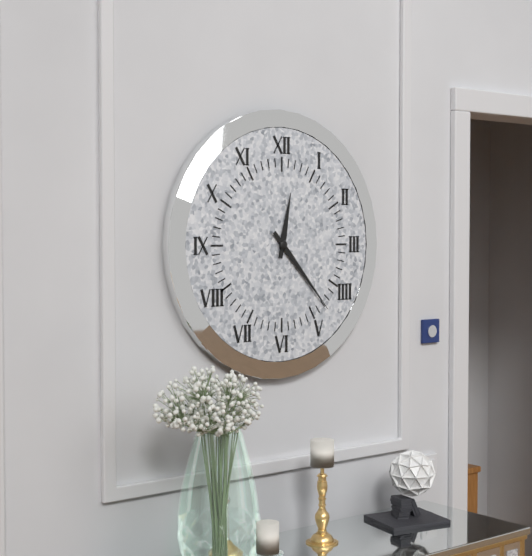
12:23
